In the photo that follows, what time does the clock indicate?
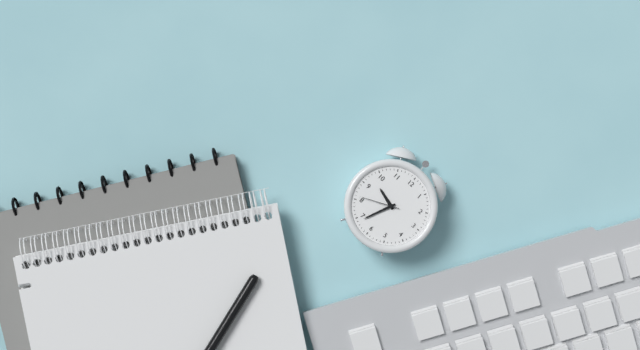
9:34
